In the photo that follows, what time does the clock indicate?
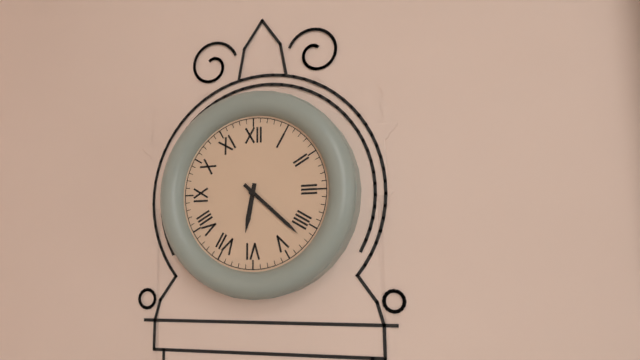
6:22
